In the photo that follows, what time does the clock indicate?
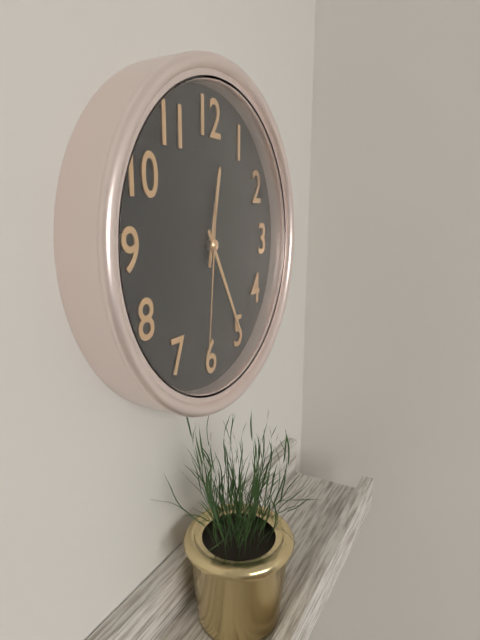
12:25:31
